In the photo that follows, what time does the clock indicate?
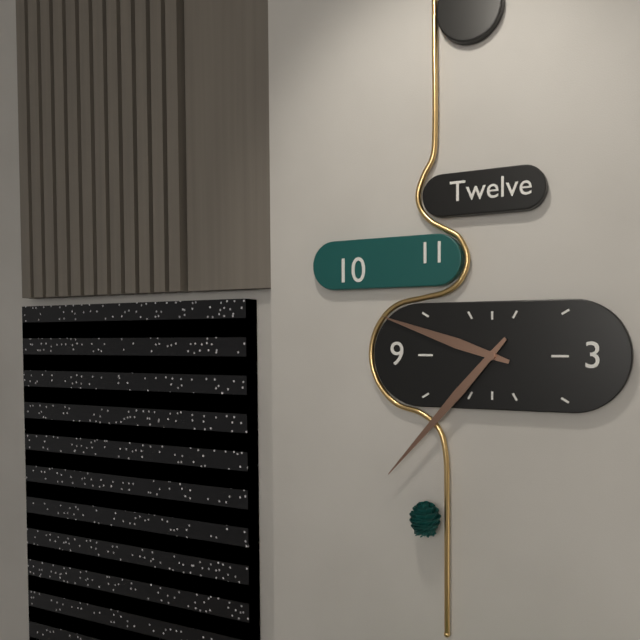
9:37
